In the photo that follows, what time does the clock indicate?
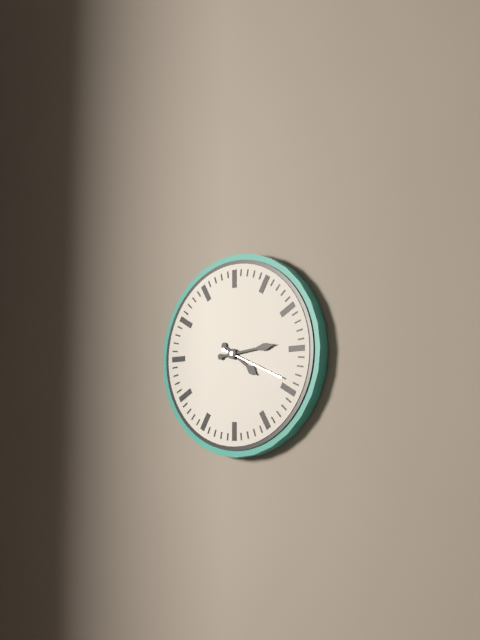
4:14:19
